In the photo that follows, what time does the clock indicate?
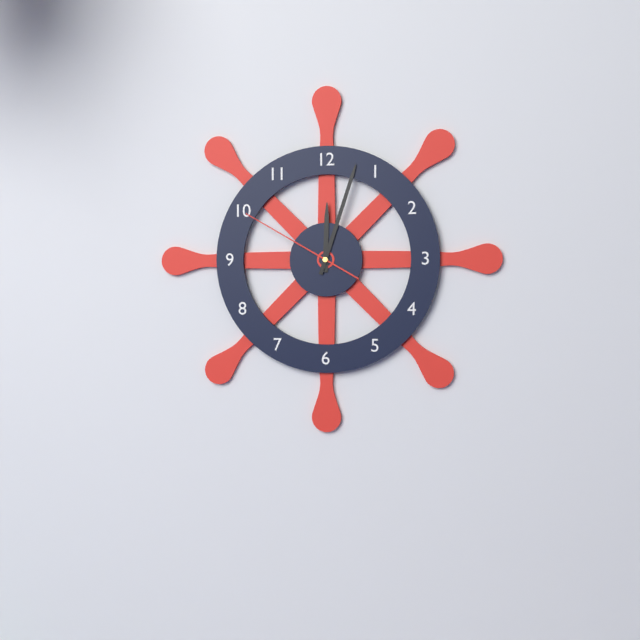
12:03:50
